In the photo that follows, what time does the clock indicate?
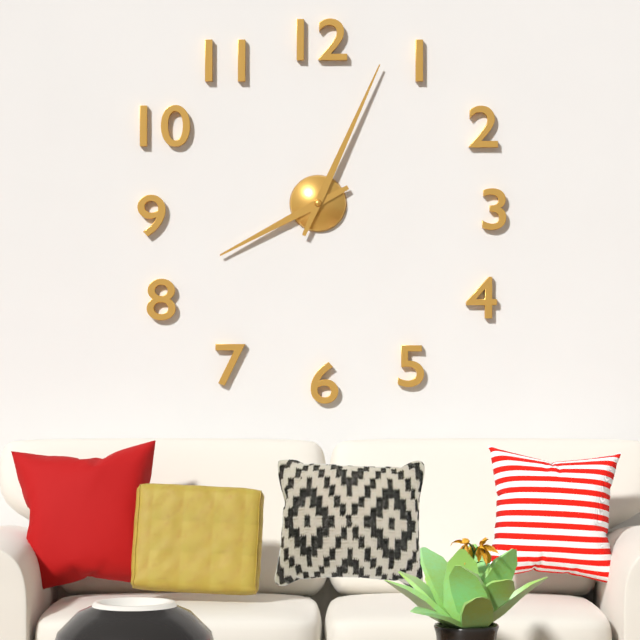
8:04
